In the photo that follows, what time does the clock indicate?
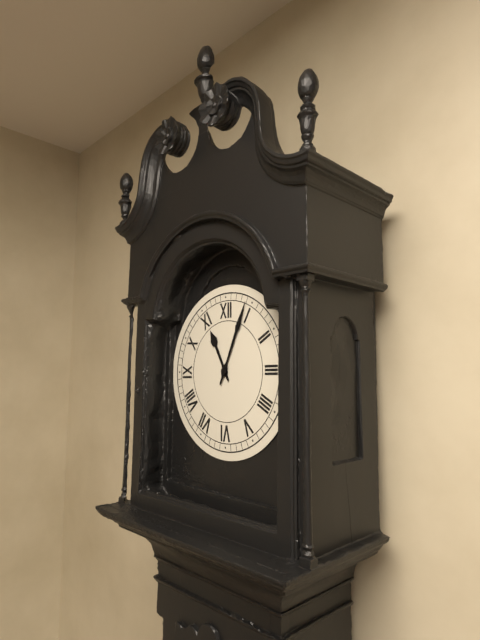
11:04
